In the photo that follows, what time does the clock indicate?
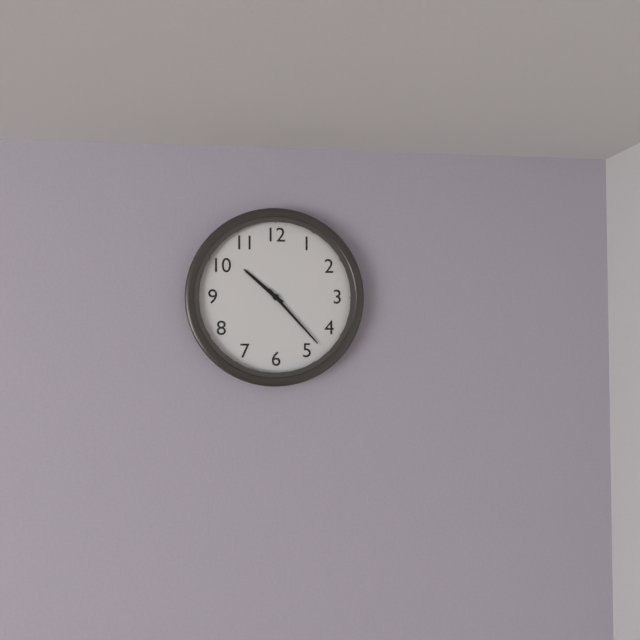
10:23
